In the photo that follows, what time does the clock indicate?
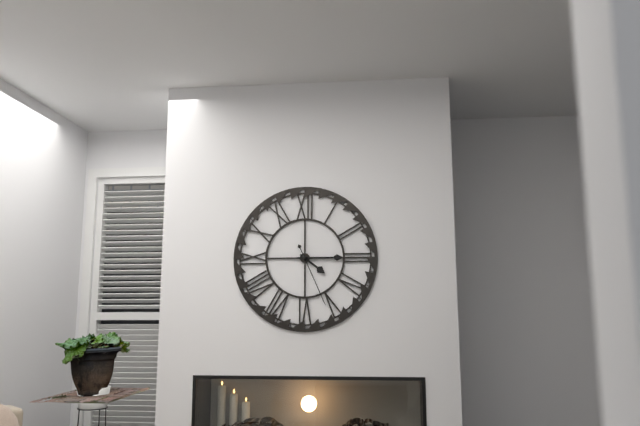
4:15:26
